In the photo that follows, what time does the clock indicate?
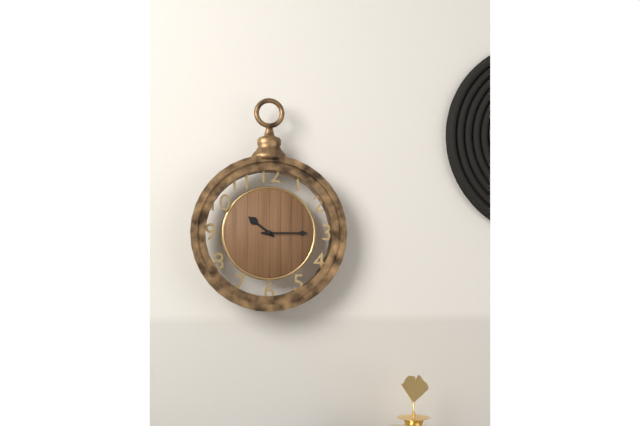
10:15
